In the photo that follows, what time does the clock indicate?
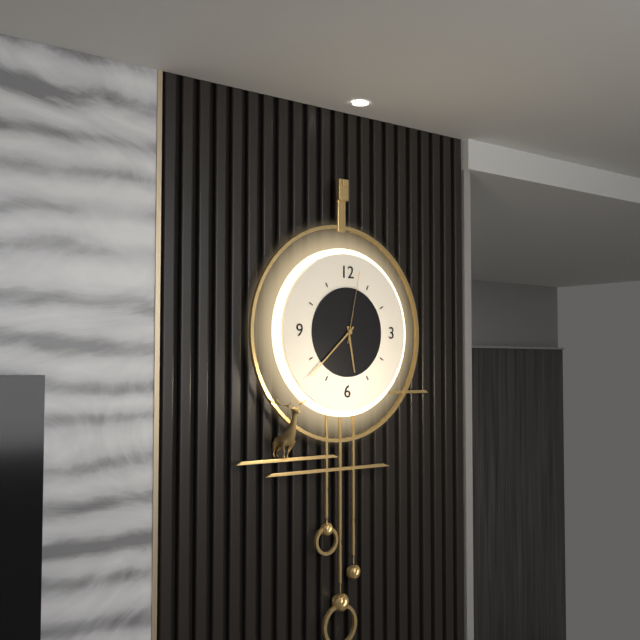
5:38:02
